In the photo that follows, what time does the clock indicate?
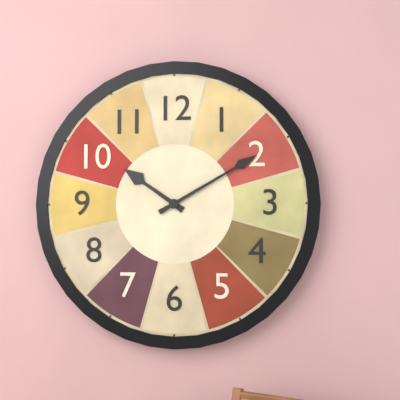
10:10
